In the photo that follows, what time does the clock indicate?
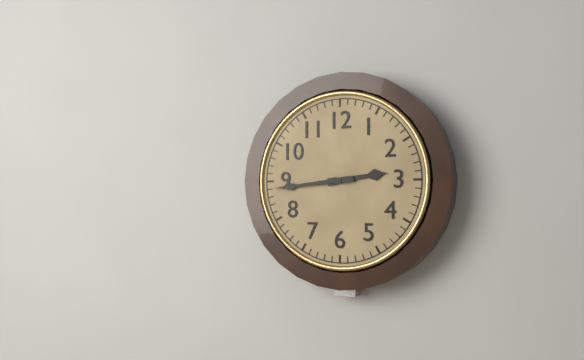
2:44
